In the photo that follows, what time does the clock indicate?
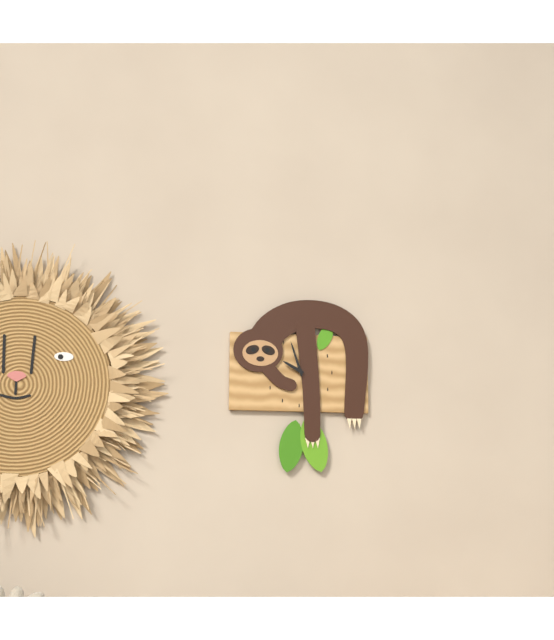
9:57
